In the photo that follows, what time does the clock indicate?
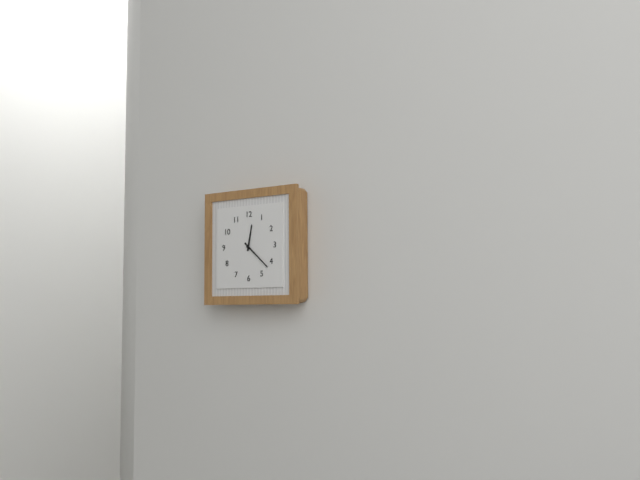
12:22
